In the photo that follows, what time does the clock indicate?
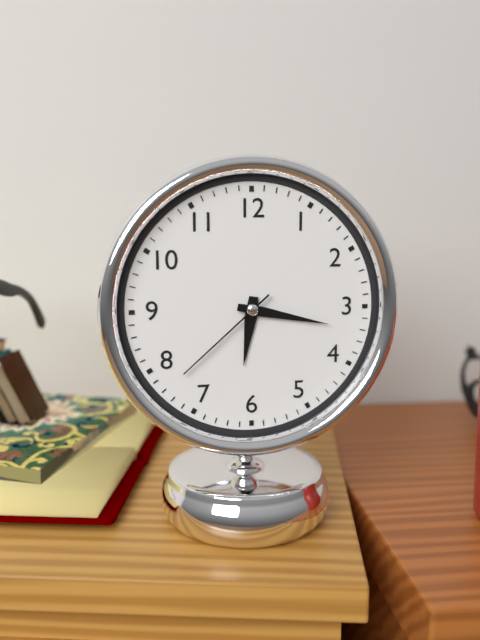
6:17:38
